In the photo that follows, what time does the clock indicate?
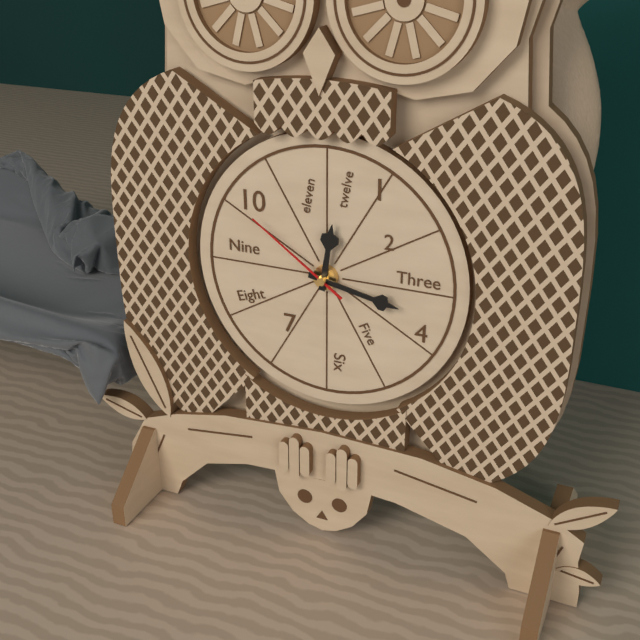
12:17:51
